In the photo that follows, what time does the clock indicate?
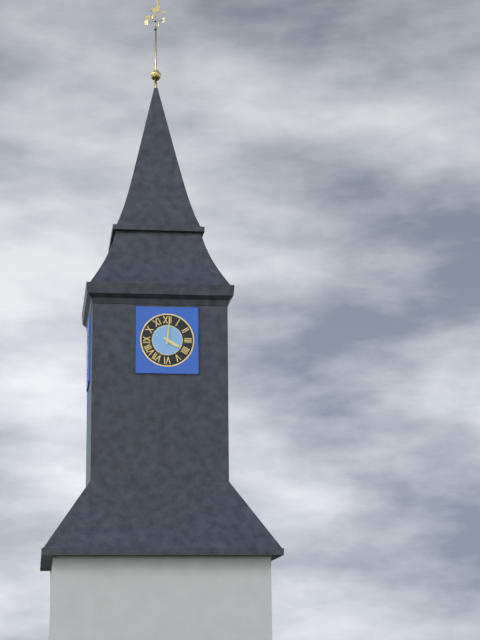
4:01
